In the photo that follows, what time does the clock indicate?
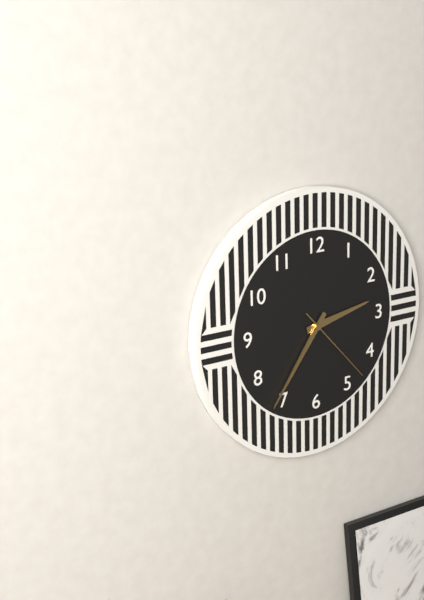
2:36:23
